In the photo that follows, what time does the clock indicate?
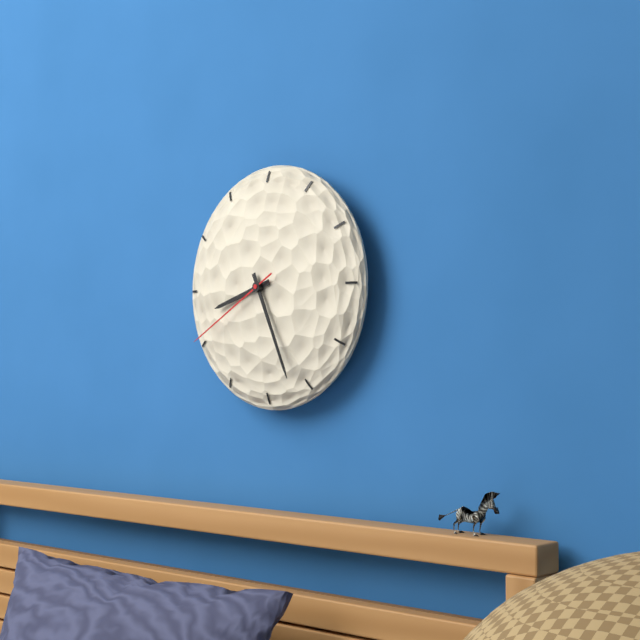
8:26:40
